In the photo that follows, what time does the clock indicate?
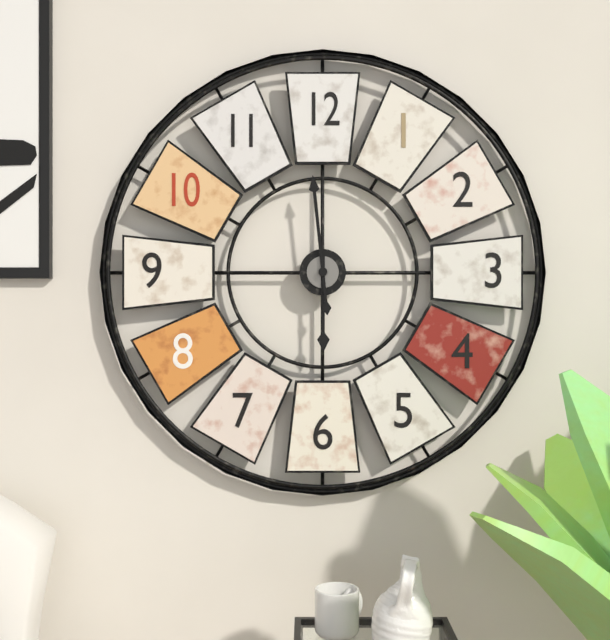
5:59
